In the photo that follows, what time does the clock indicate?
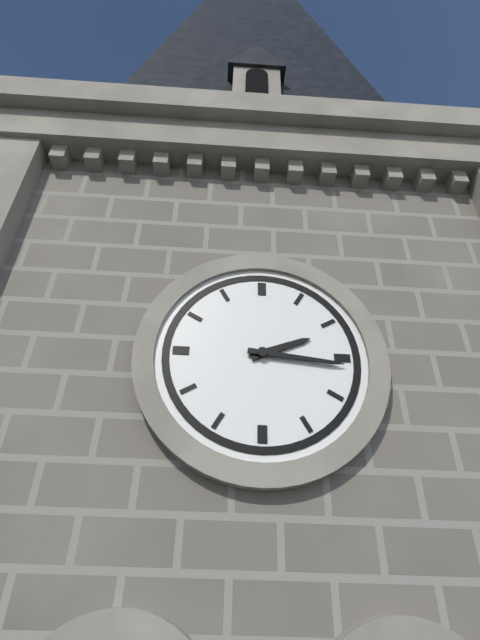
2:16
